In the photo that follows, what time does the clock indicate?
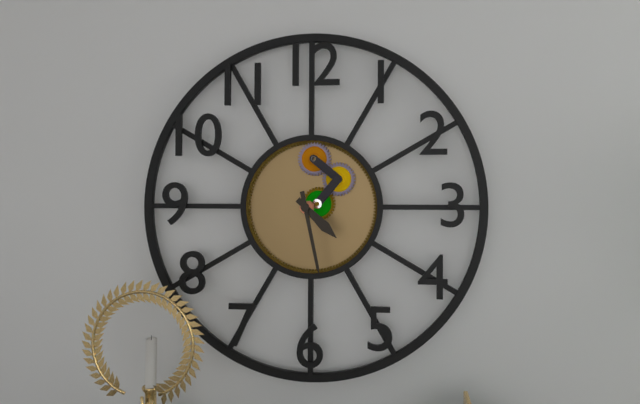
4:28
